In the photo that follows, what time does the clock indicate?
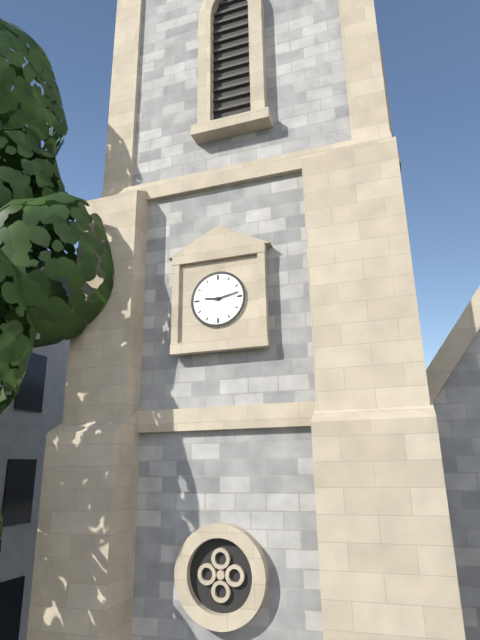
9:13
